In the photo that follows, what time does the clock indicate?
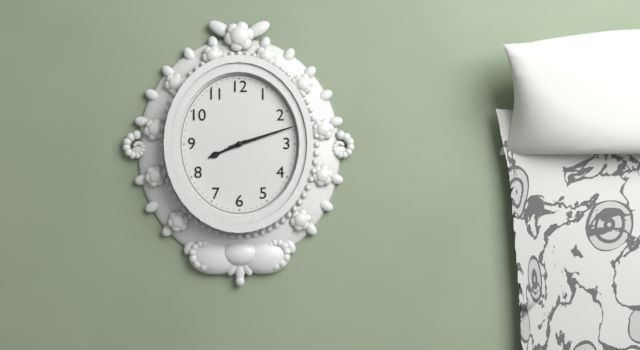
8:12
